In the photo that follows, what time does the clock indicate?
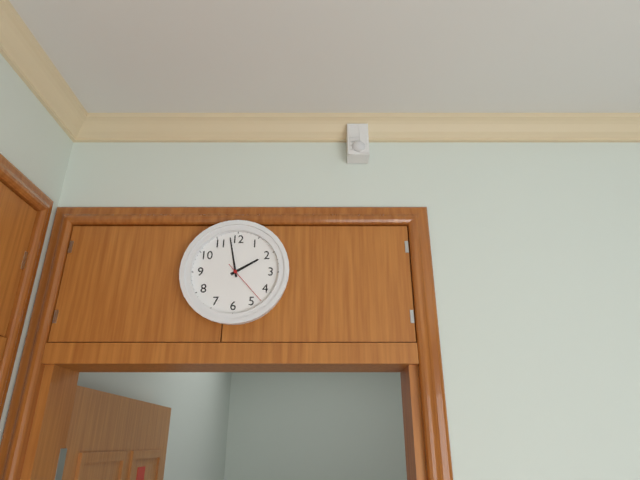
1:58
